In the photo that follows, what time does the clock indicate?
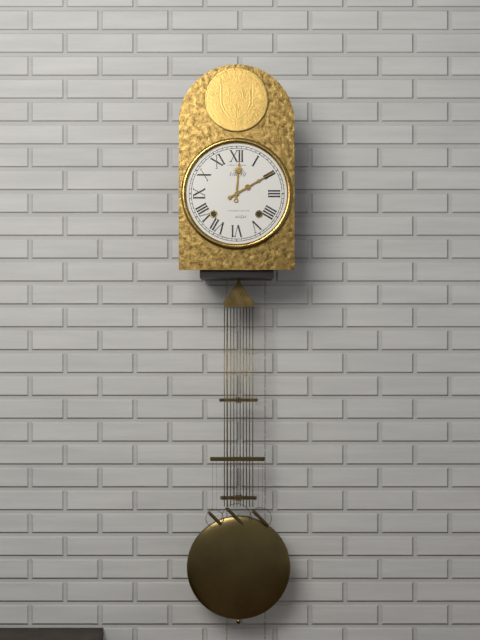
12:10
